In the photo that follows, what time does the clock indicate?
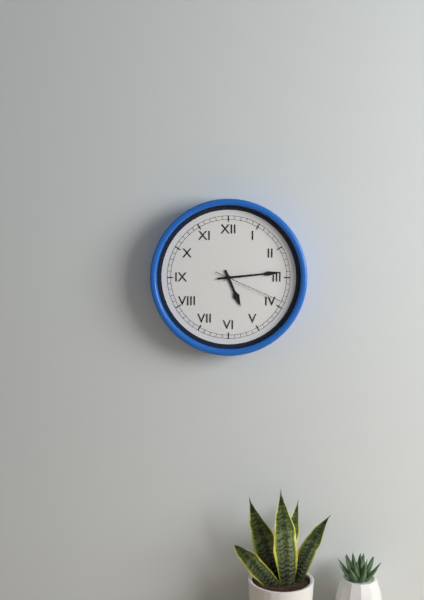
5:14:19
